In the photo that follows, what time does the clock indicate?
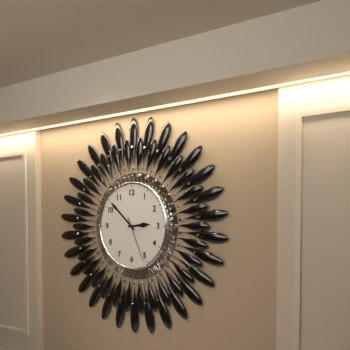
2:52
